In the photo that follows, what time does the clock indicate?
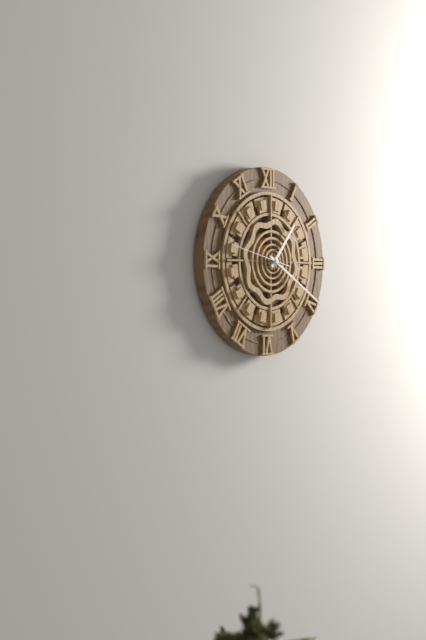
1:20
